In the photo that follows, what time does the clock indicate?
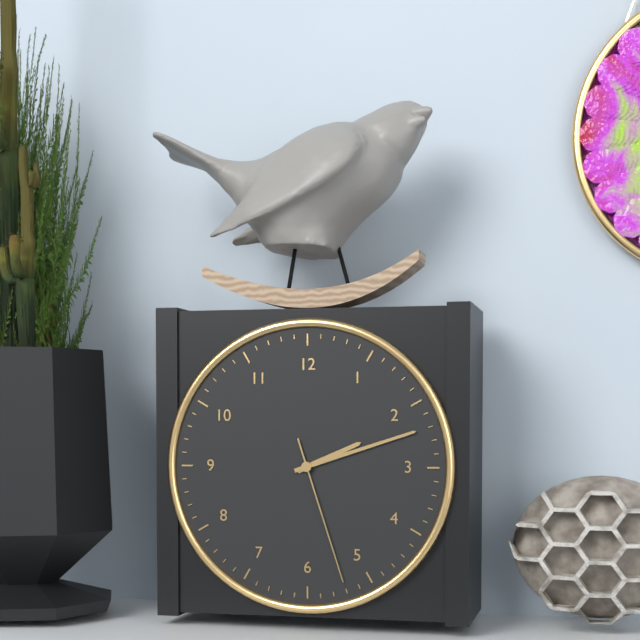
2:12:27
